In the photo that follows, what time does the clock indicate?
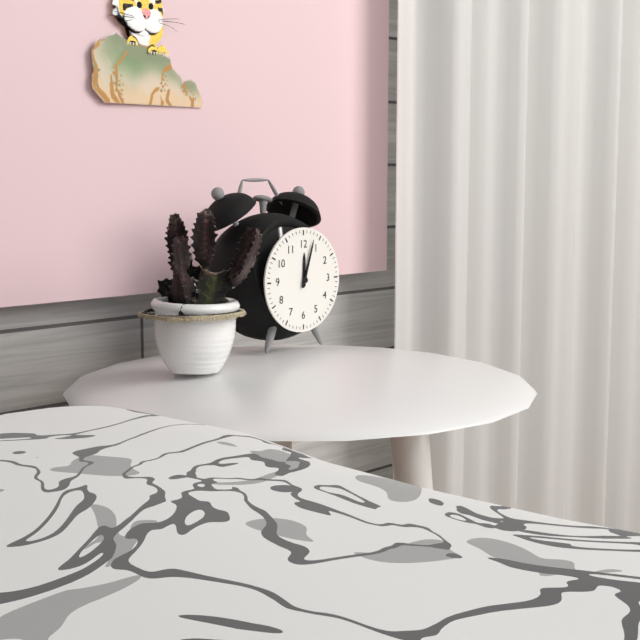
12:03
